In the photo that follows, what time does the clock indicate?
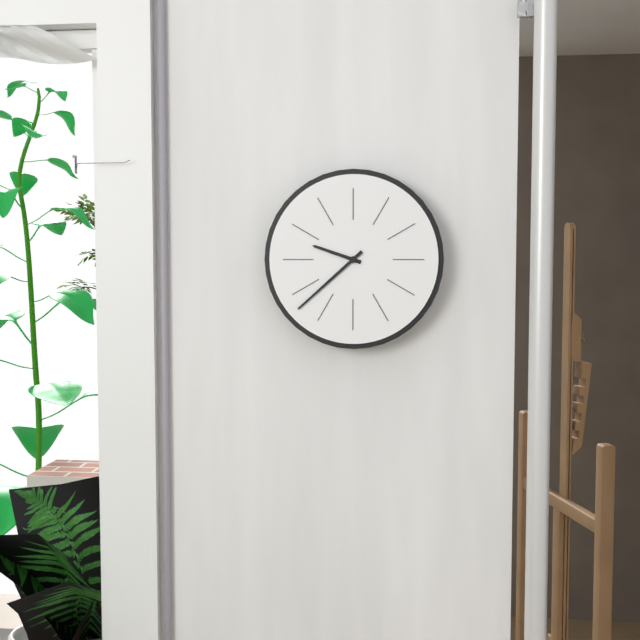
9:38
